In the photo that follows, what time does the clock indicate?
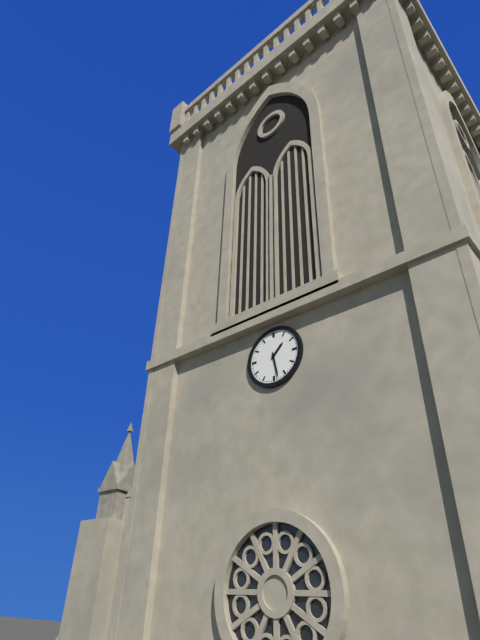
1:28
